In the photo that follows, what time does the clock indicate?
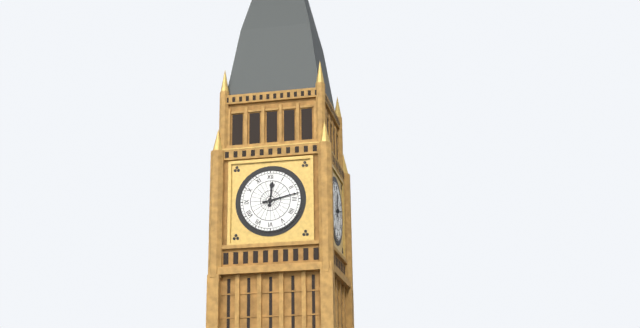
12:13
